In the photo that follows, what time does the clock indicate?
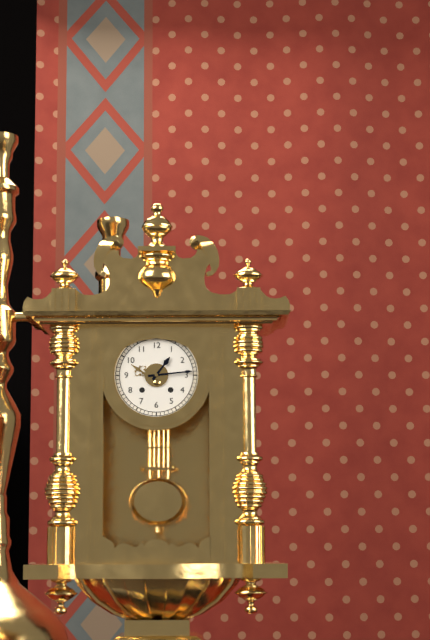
1:14
